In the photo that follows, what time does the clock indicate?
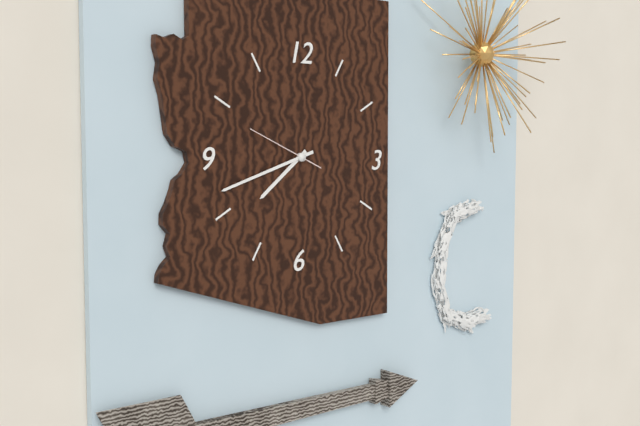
7:42:49
